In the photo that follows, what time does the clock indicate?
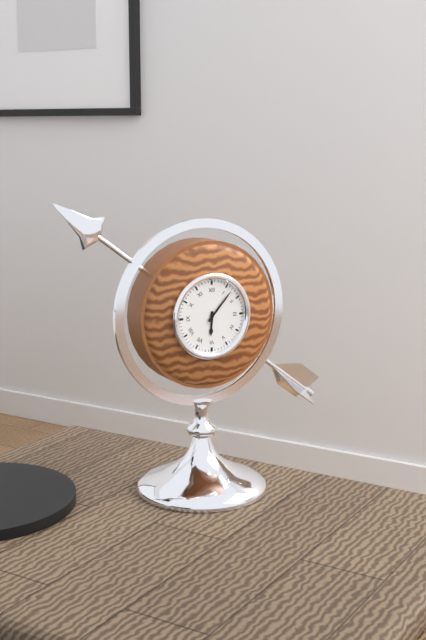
6:07
